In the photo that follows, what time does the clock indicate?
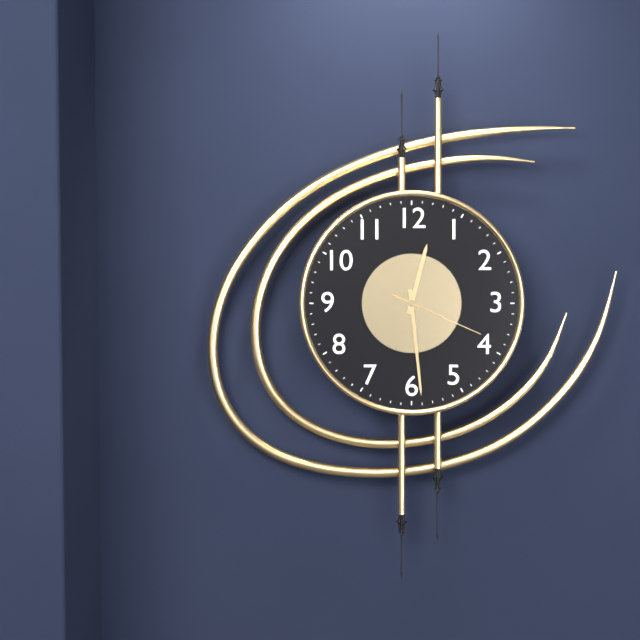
12:29:19
